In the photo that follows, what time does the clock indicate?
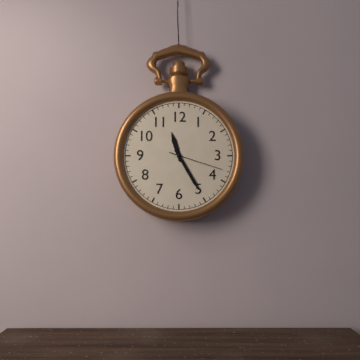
11:25:18
